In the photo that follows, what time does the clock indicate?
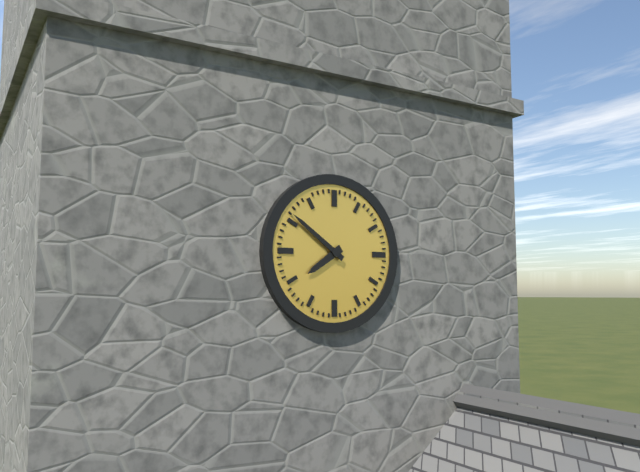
7:51
